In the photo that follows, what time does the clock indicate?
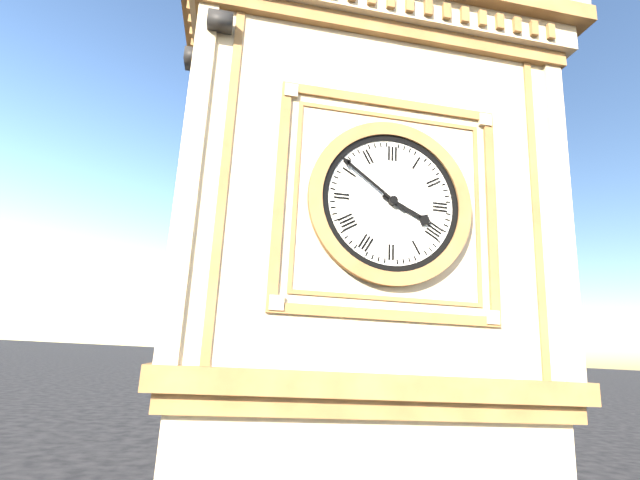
3:51
